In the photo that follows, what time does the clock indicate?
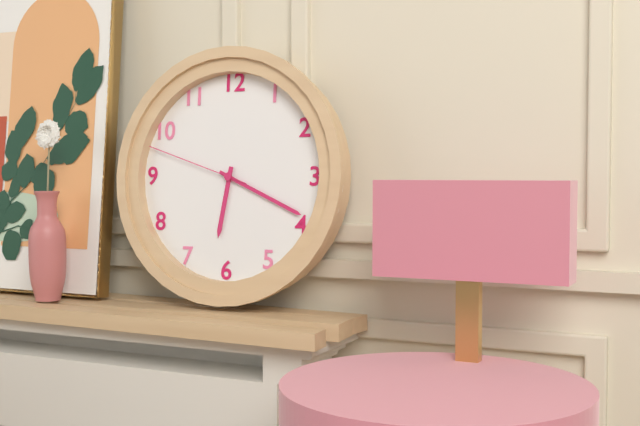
6:19:48
